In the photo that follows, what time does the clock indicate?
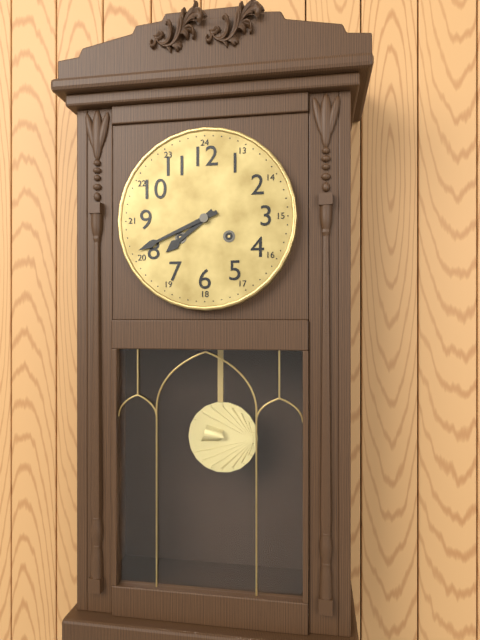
7:41
